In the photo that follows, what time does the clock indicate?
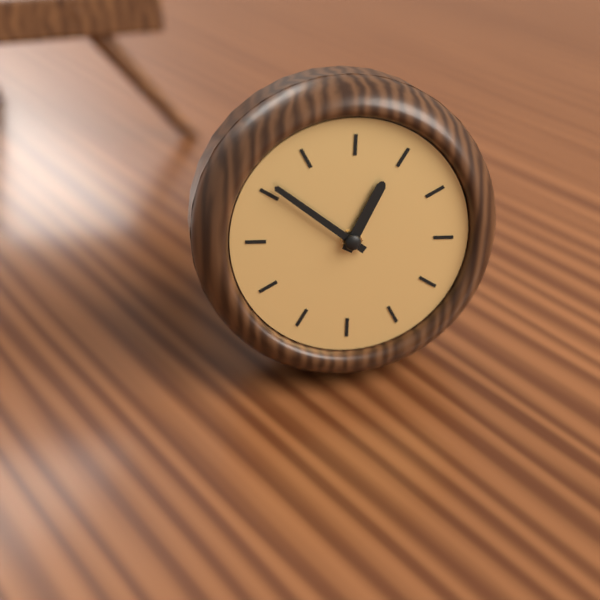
12:51
